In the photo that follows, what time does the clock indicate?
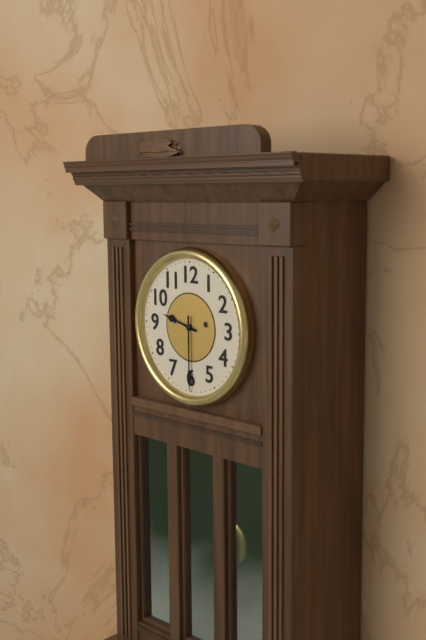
9:30
